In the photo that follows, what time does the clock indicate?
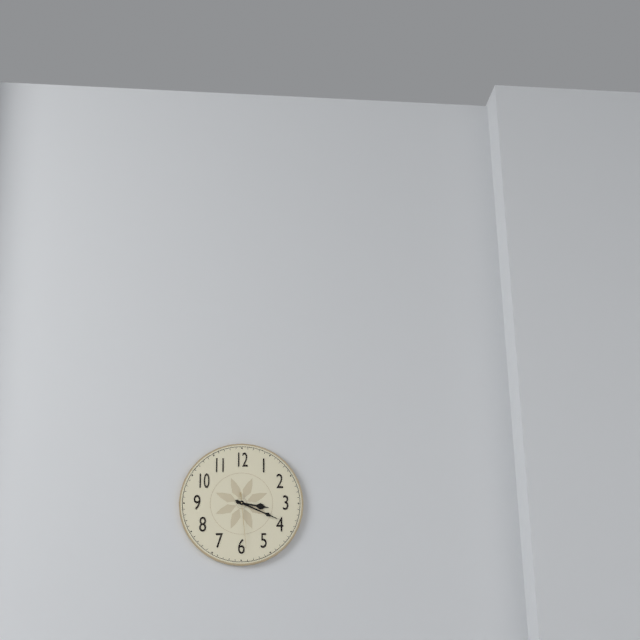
3:19:29
